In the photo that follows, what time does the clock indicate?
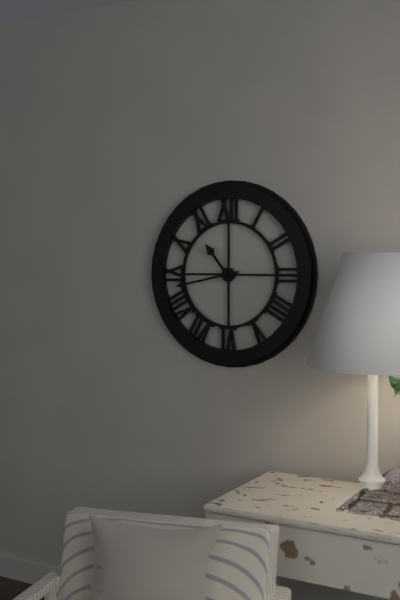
10:43
